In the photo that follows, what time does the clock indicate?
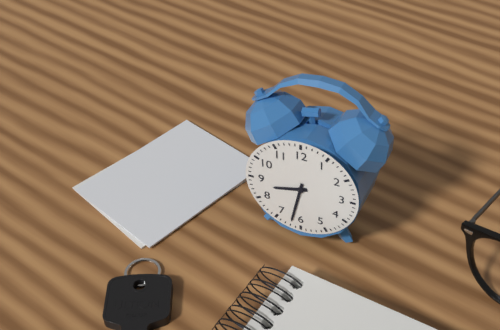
8:32
